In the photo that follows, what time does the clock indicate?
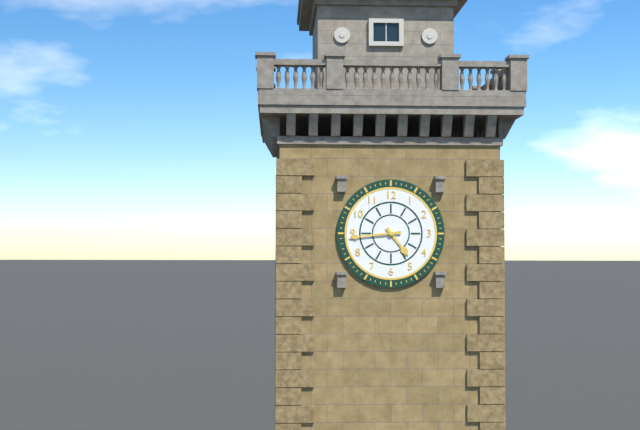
4:44
